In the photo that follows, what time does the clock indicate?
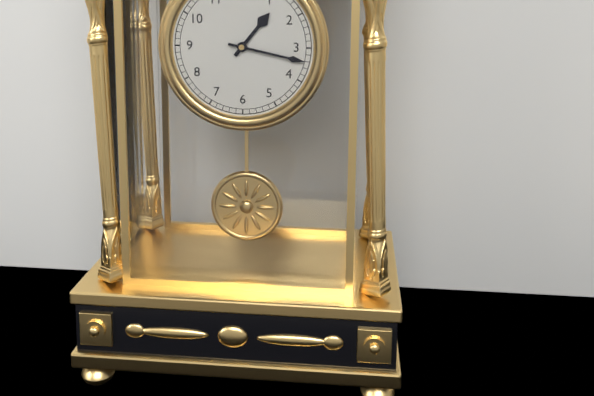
1:17
